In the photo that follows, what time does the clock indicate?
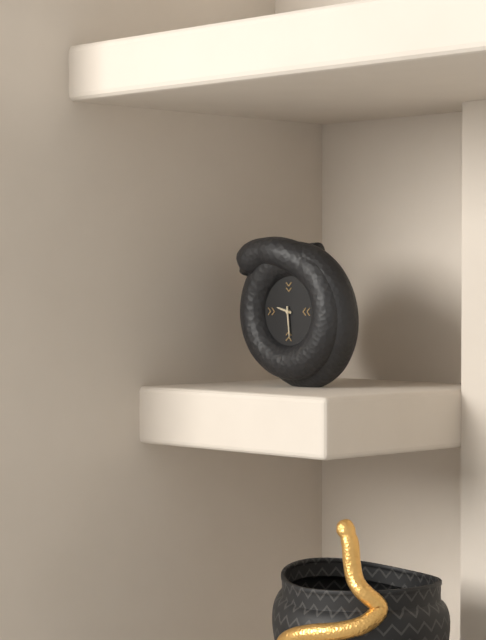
9:29
